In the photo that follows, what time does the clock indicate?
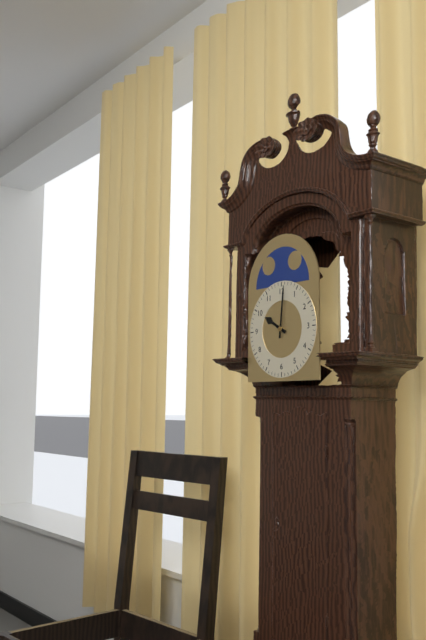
10:01
